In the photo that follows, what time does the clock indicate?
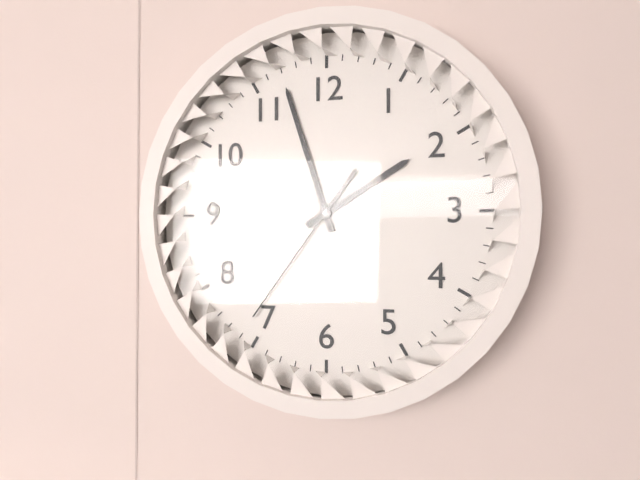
1:57:36
